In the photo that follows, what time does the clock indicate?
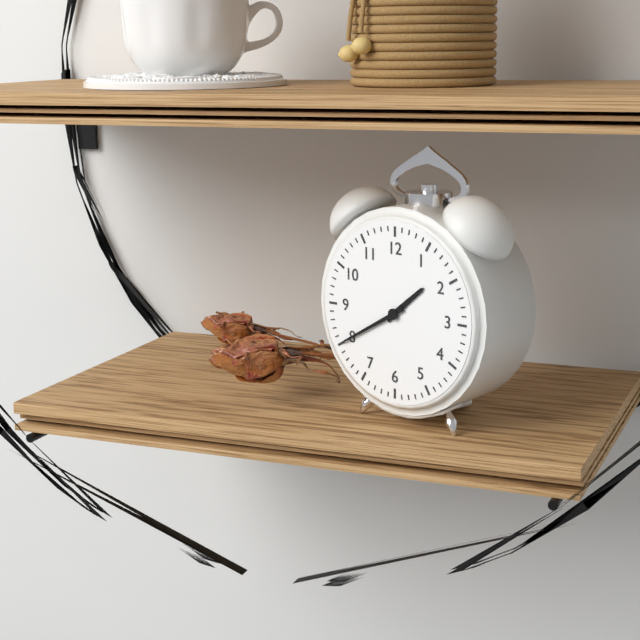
1:40
